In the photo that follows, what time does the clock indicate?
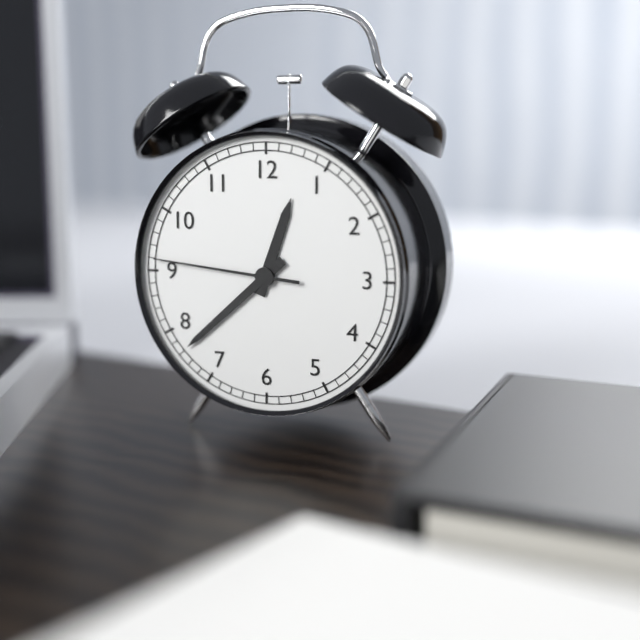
12:38:46
